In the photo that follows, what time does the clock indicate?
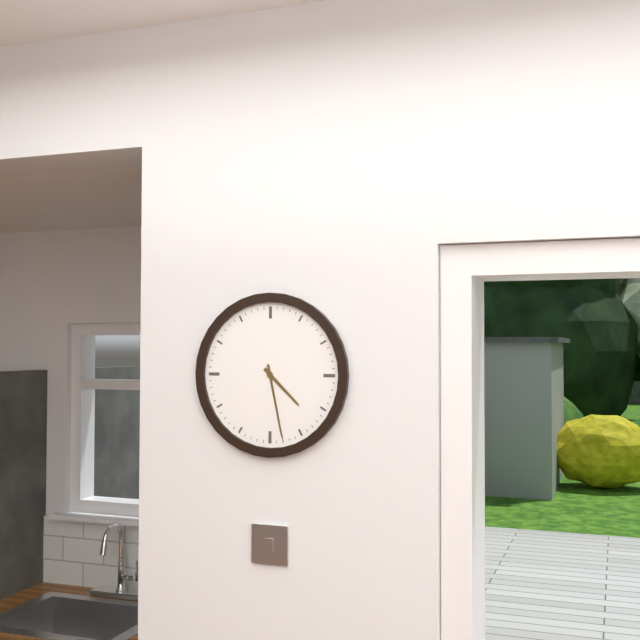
4:28
